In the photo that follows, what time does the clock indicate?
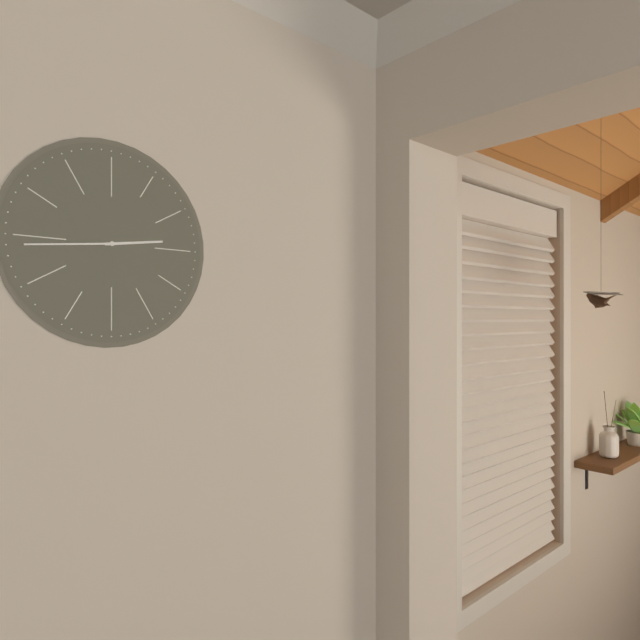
2:44
